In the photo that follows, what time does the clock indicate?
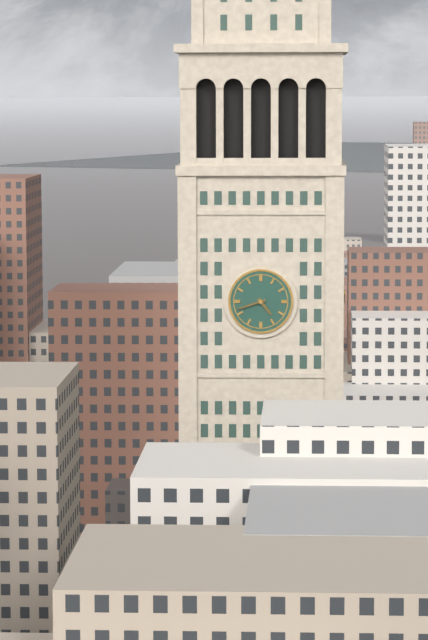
4:42
